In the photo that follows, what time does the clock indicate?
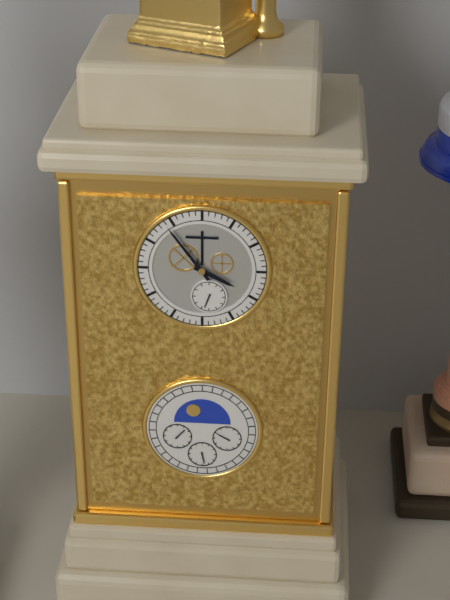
3:54
